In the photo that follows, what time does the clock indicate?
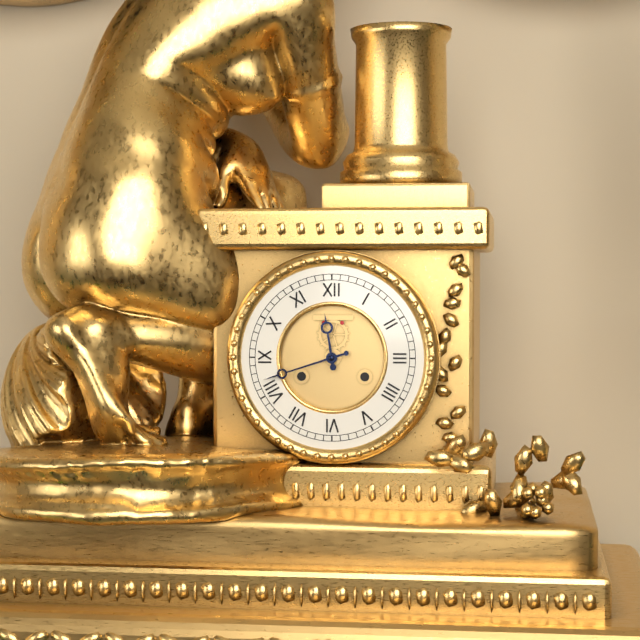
11:42
